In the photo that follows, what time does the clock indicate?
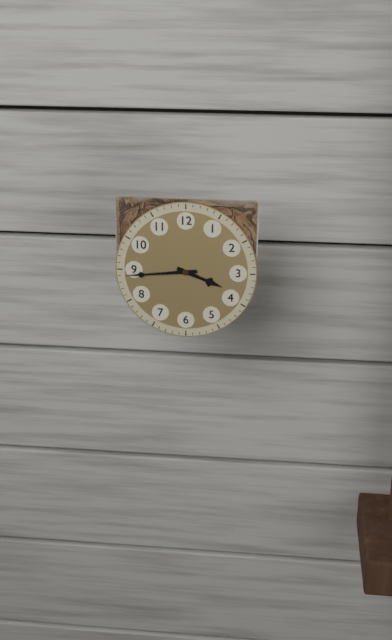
3:44
